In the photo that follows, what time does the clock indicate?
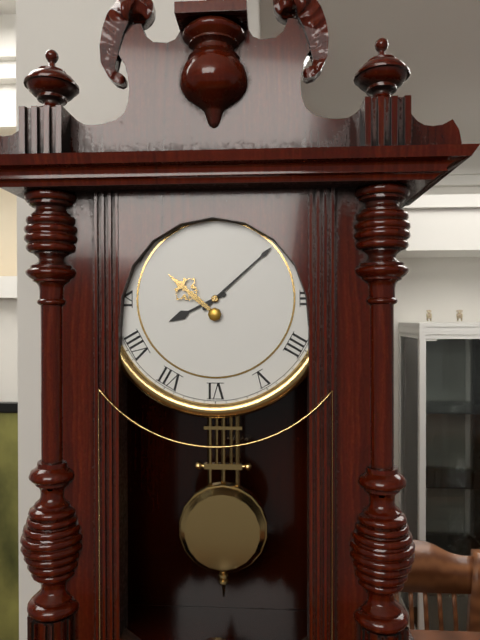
8:08
